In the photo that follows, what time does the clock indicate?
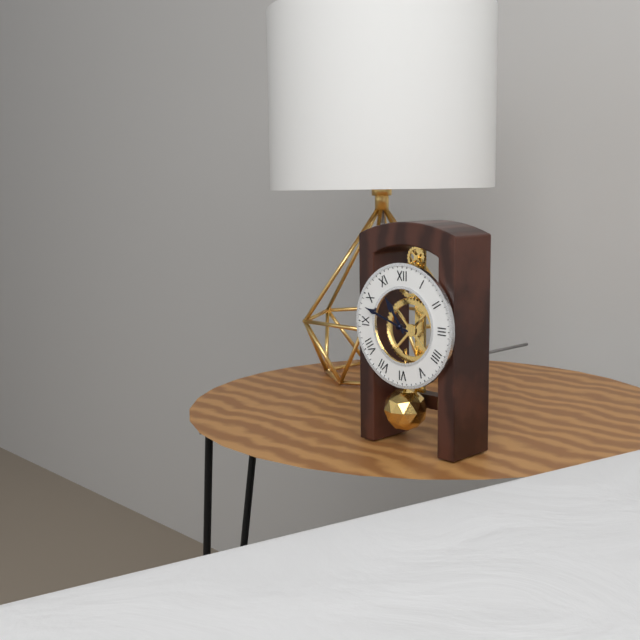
10:48
